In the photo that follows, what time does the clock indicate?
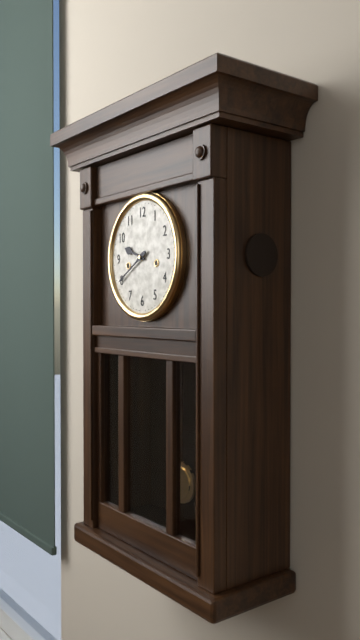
9:40
